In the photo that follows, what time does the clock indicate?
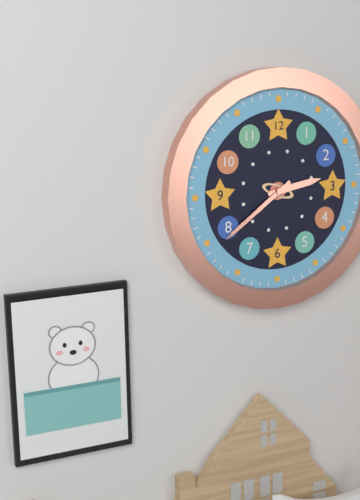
2:39
